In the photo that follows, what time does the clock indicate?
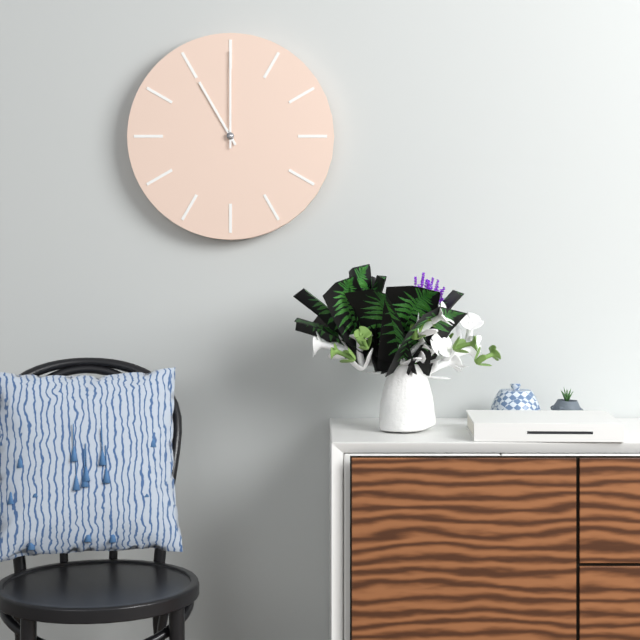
11:00
